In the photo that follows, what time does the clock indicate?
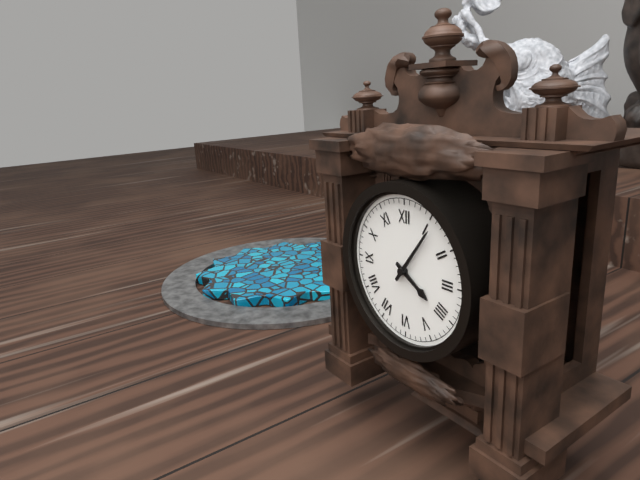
4:06
